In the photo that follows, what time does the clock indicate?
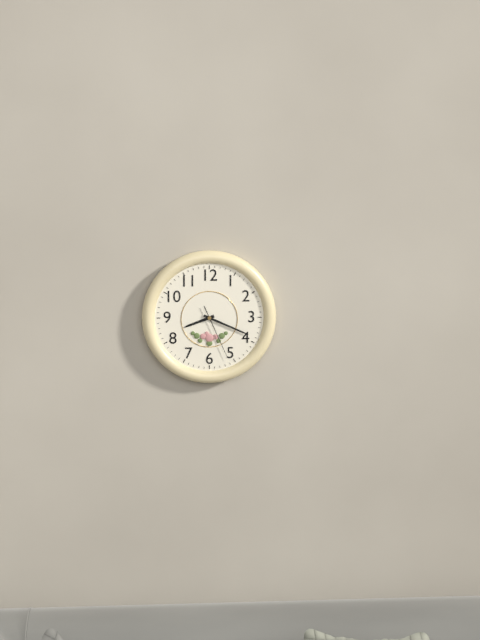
8:19:26
